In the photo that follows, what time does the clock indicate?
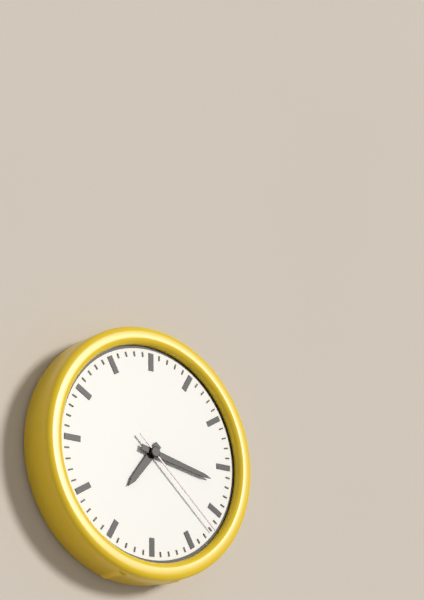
7:17:22
